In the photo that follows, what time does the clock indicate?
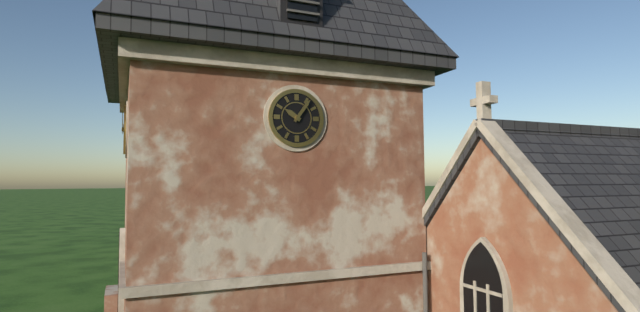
10:06
